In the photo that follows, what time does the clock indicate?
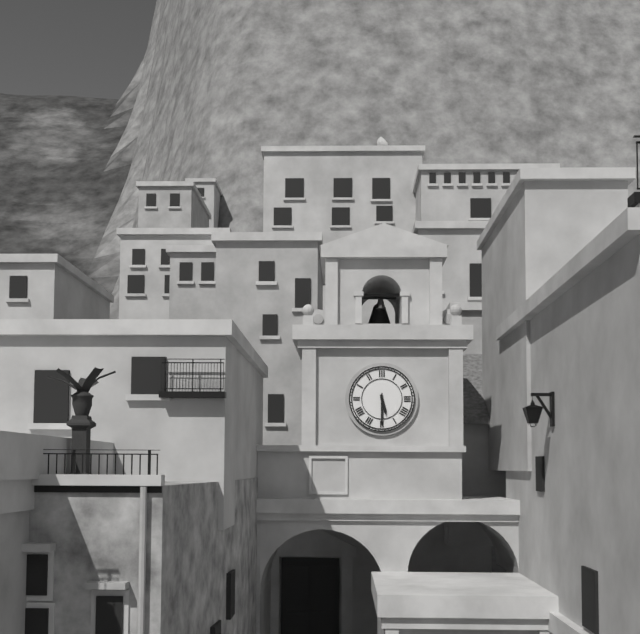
5:30
